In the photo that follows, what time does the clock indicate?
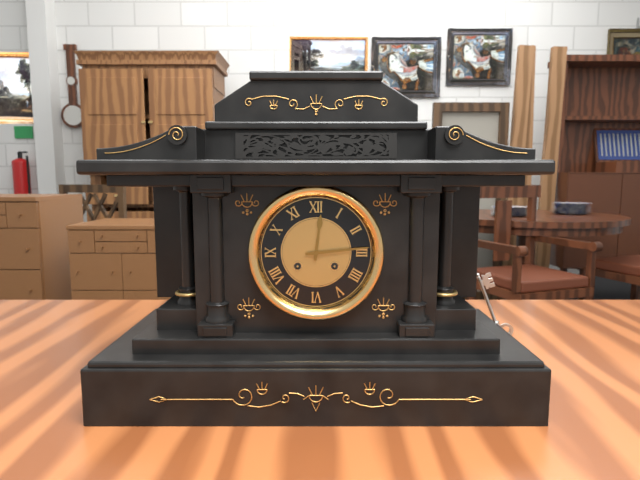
12:14
